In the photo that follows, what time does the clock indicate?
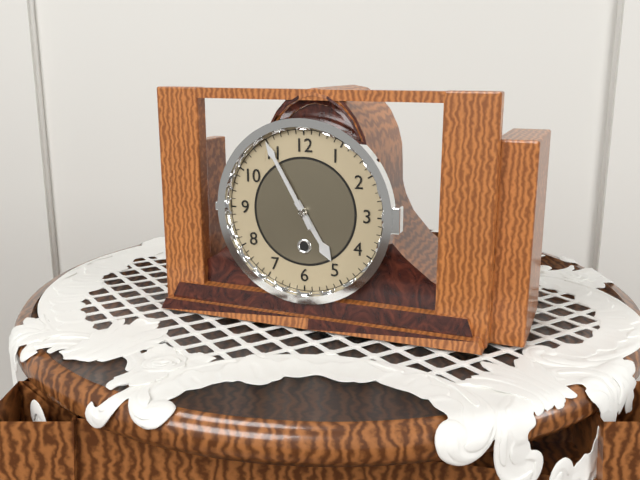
4:55
